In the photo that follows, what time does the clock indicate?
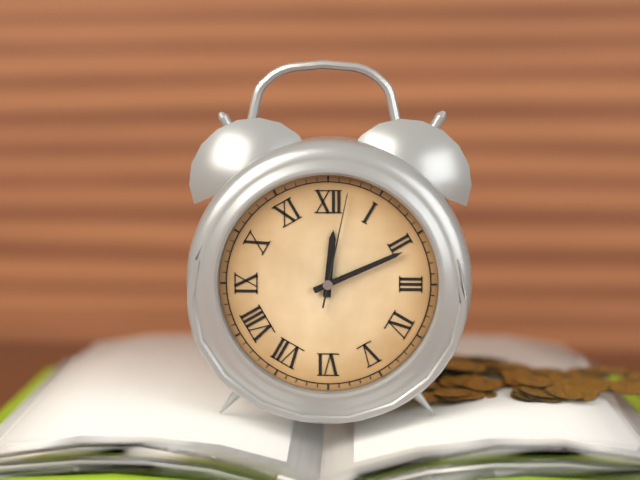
12:11:02
